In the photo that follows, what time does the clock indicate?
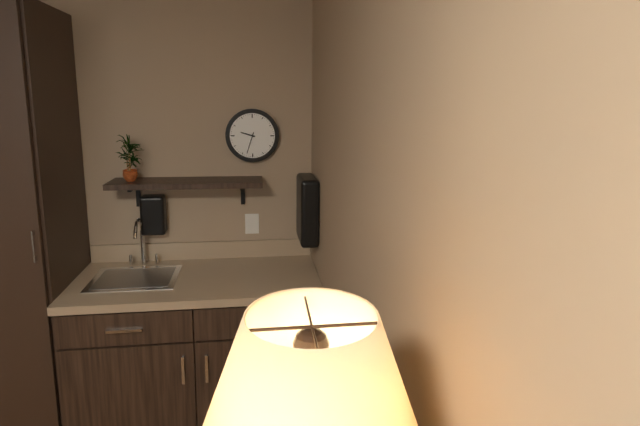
9:33
